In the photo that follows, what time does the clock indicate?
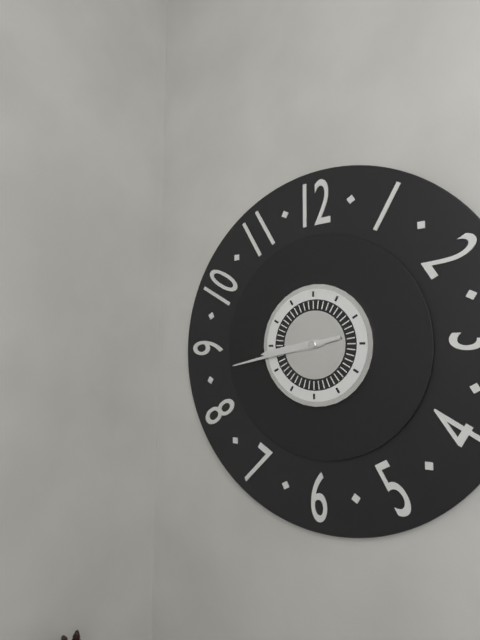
8:43
